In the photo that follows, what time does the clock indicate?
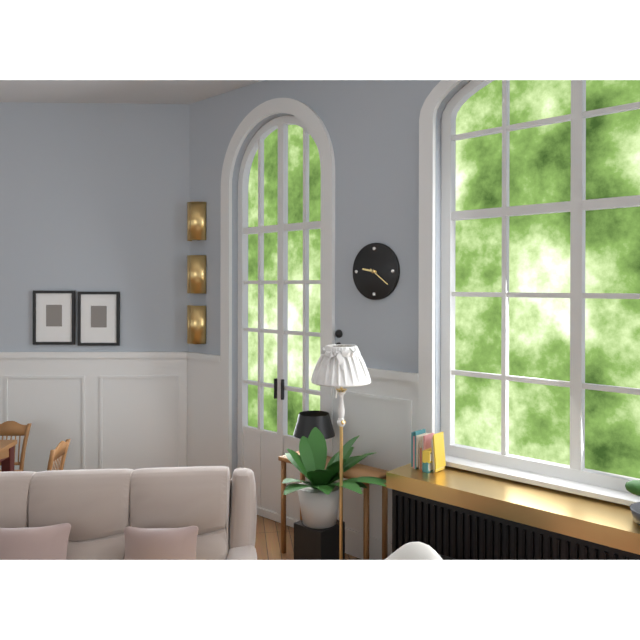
9:21
